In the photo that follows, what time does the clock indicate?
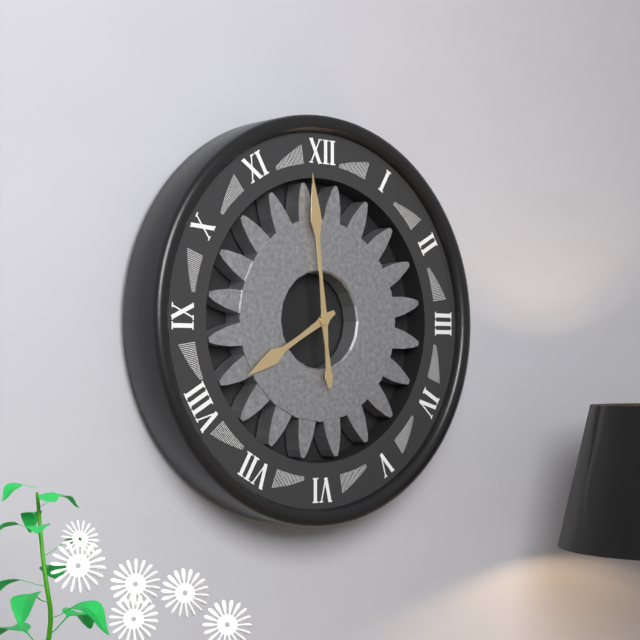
7:59
